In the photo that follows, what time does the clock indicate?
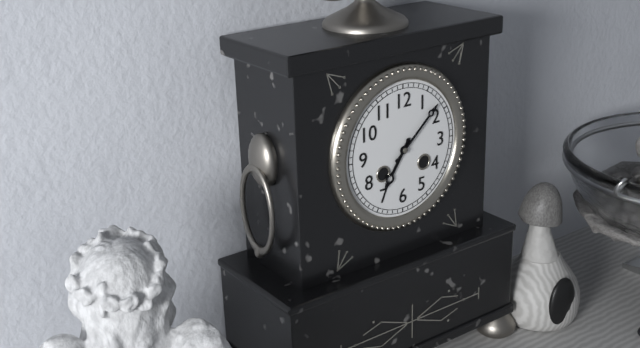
7:08
